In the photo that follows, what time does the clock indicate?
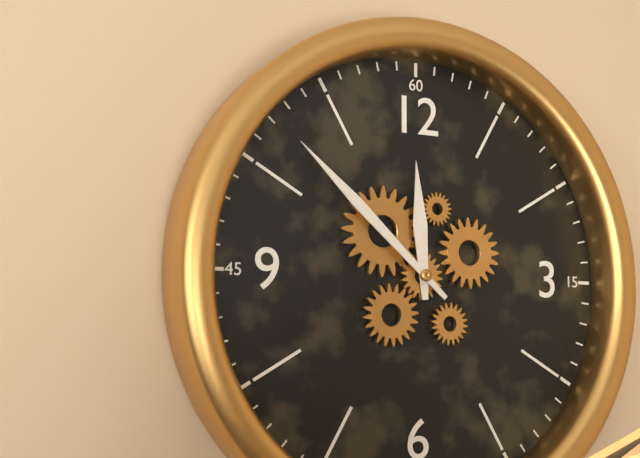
11:52
